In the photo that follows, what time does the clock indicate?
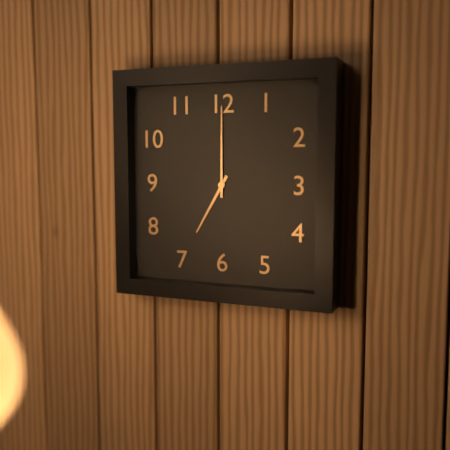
7:00
